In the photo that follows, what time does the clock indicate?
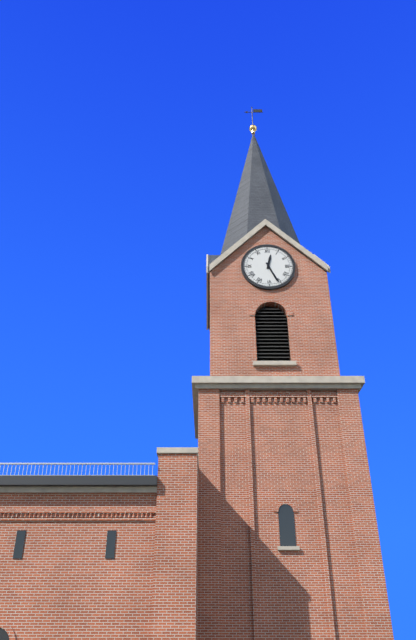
12:26
